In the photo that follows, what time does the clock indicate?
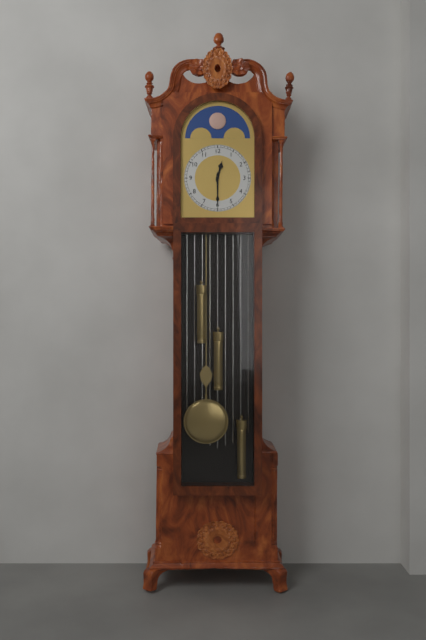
12:30
